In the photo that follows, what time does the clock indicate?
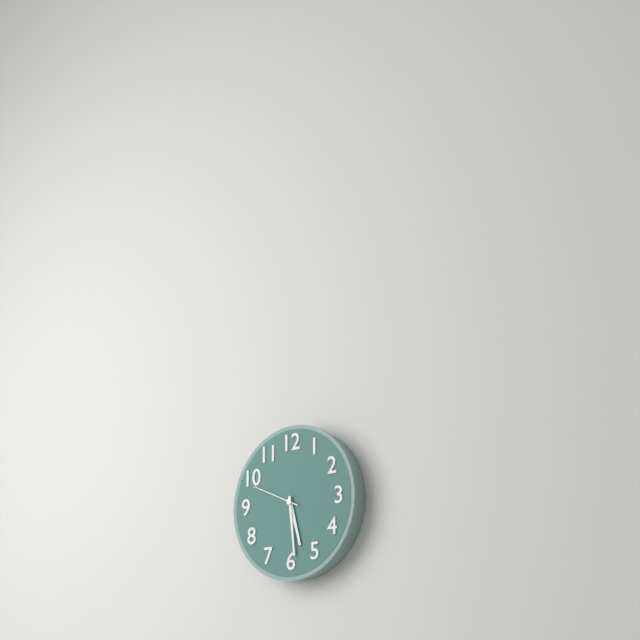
5:29
